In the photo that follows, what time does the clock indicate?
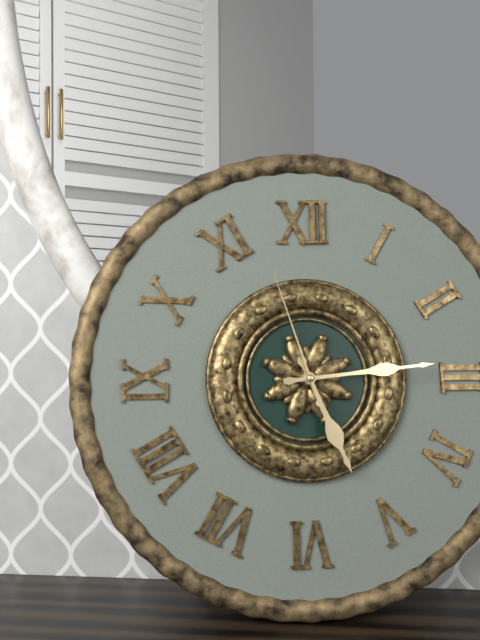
5:14:57
